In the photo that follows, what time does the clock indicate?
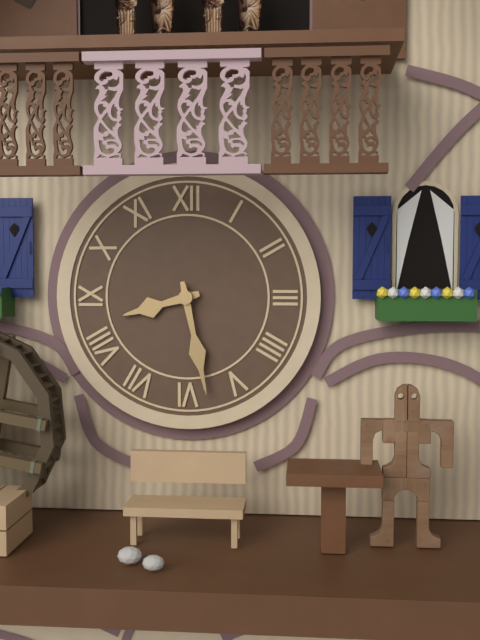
8:28
